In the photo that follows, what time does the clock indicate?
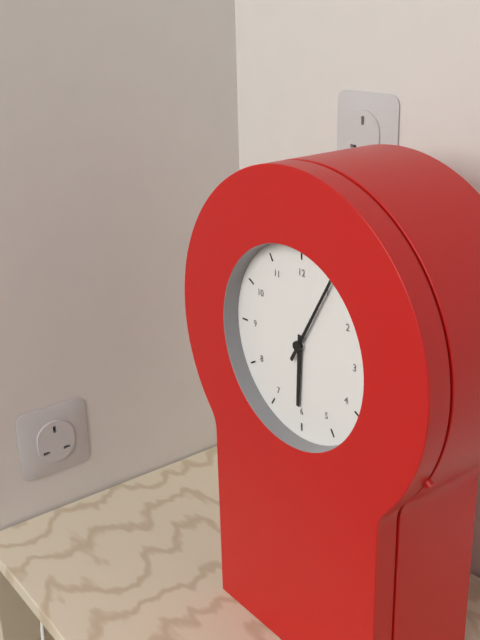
6:05
